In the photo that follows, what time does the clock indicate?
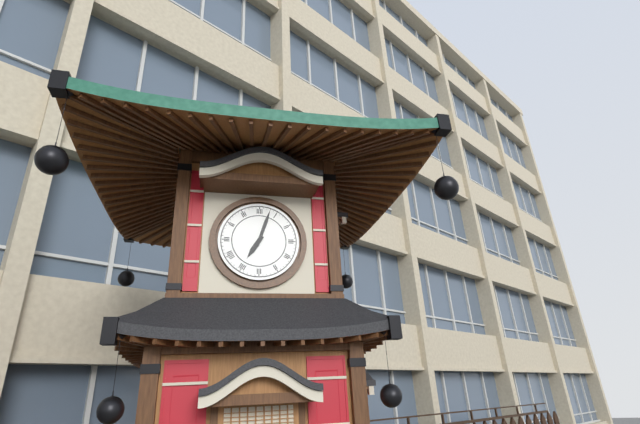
7:03
